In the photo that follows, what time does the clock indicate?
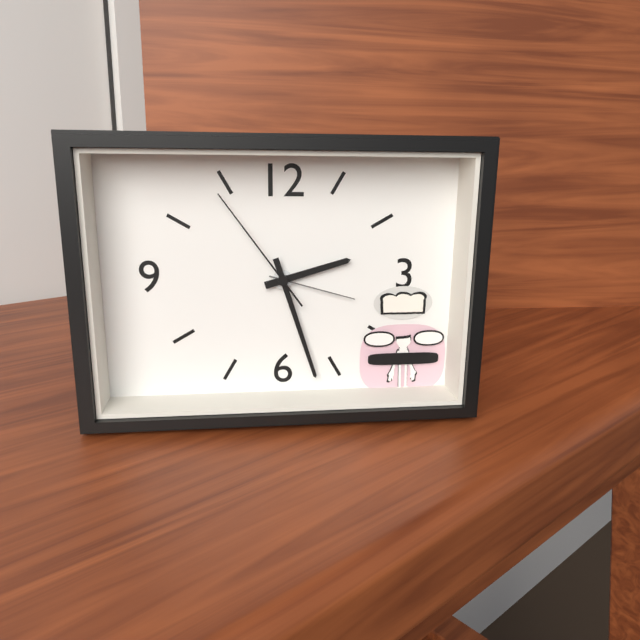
2:27:54
